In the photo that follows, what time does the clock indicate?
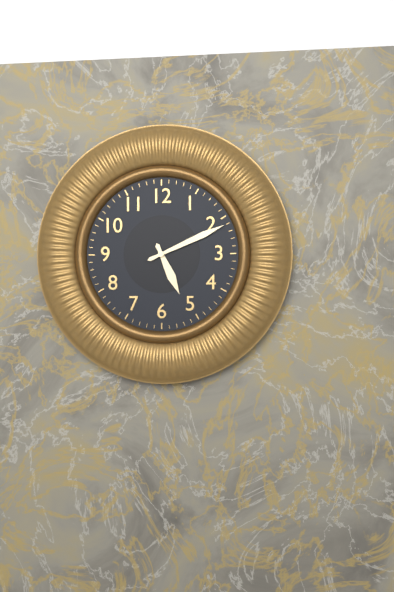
5:11
